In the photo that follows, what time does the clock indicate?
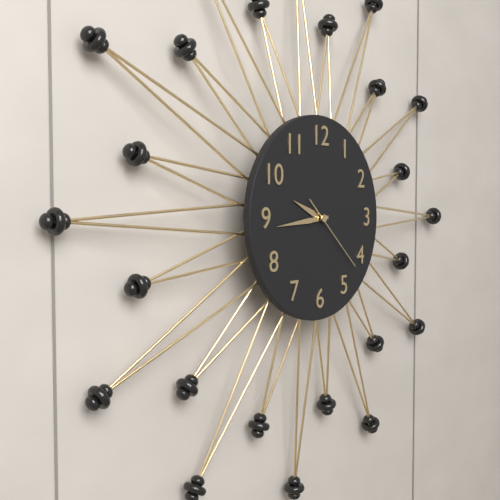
9:44:22
